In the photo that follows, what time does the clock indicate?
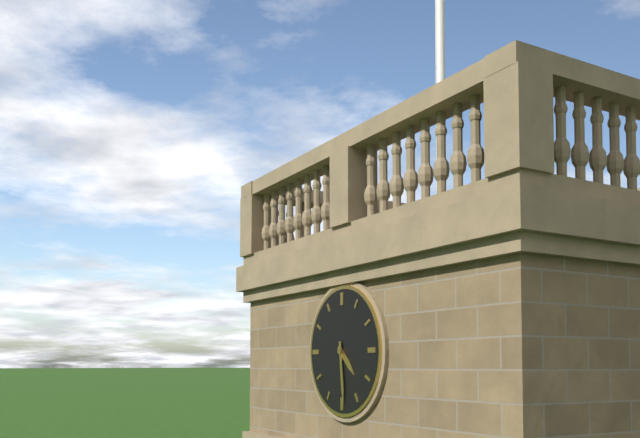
4:29
